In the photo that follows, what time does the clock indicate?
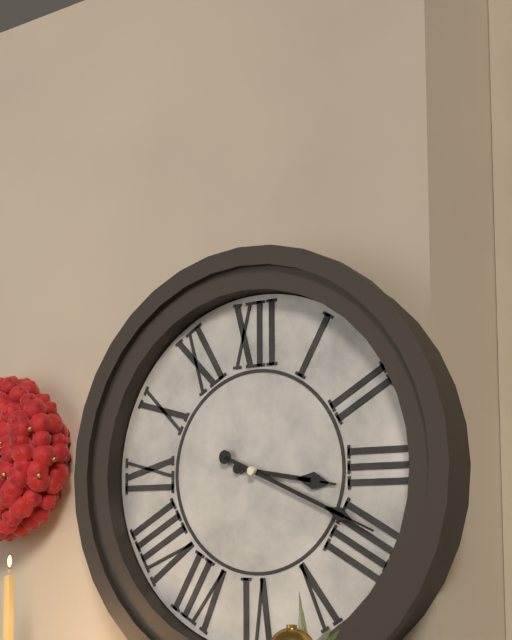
3:19
